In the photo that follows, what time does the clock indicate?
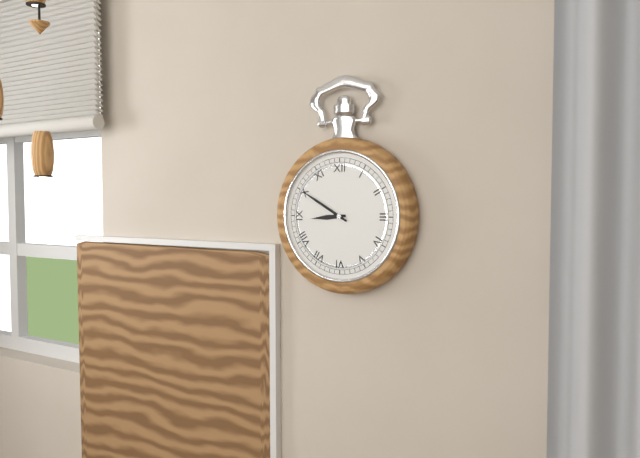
8:50
